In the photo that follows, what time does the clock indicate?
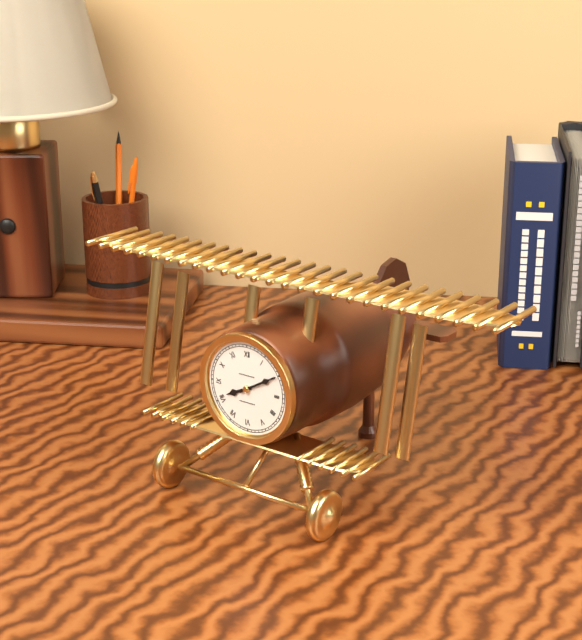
8:10
